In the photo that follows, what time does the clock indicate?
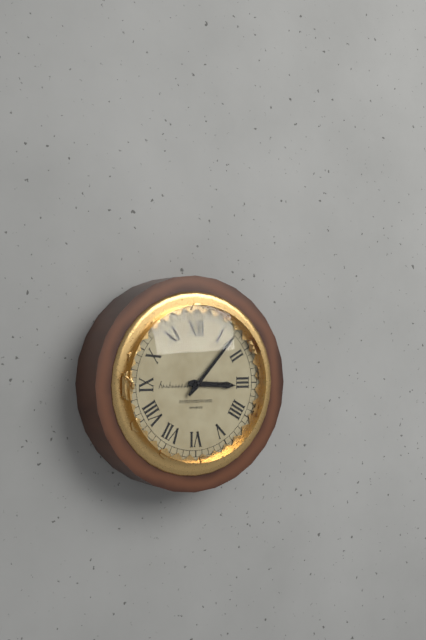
3:07
